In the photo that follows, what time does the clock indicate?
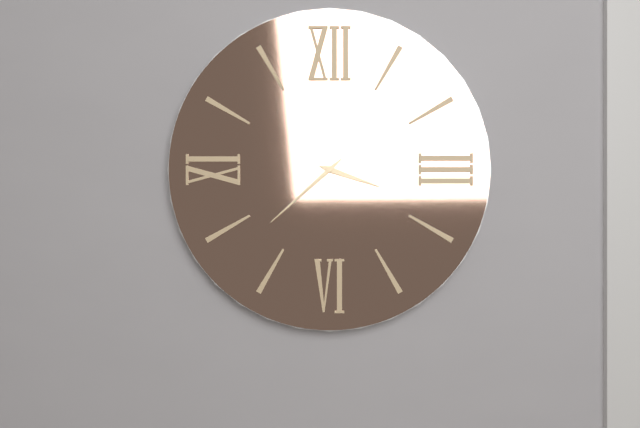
3:38
